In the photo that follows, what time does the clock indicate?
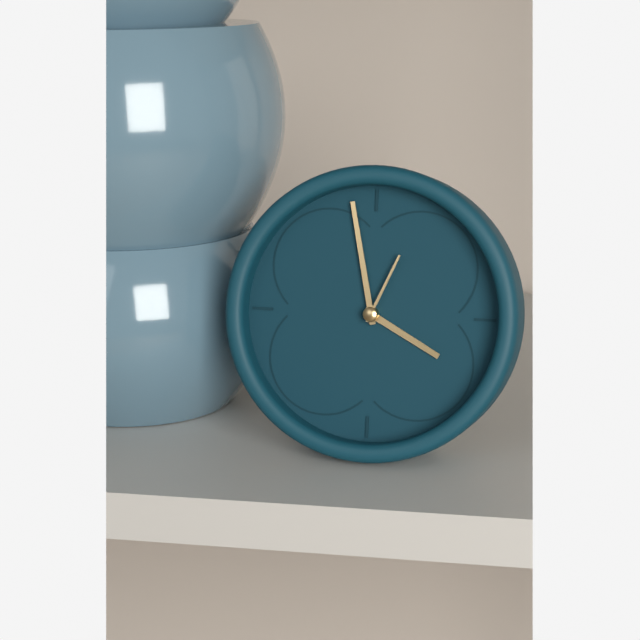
3:58:04
